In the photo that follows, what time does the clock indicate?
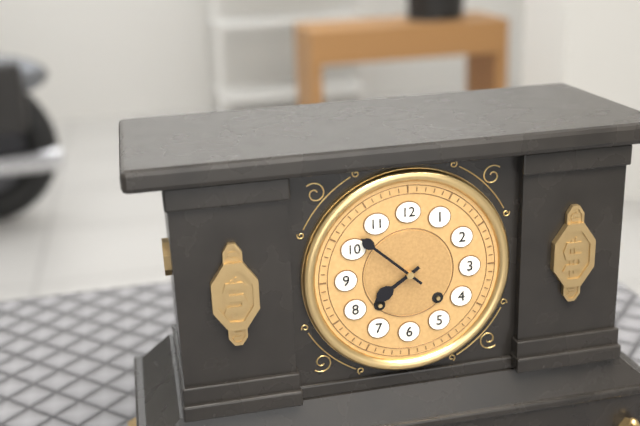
7:52
